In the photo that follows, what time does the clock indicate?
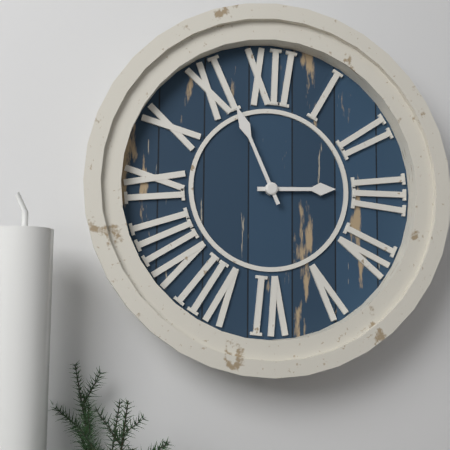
2:56
